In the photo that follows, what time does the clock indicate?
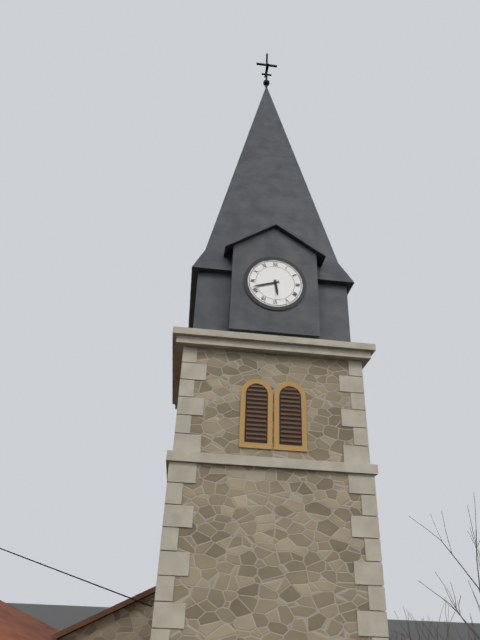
5:42
